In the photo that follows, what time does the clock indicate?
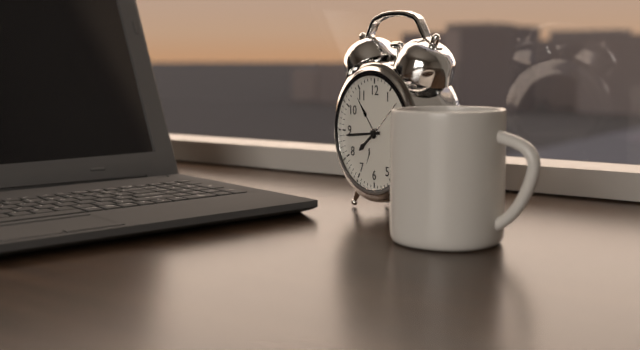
7:44
